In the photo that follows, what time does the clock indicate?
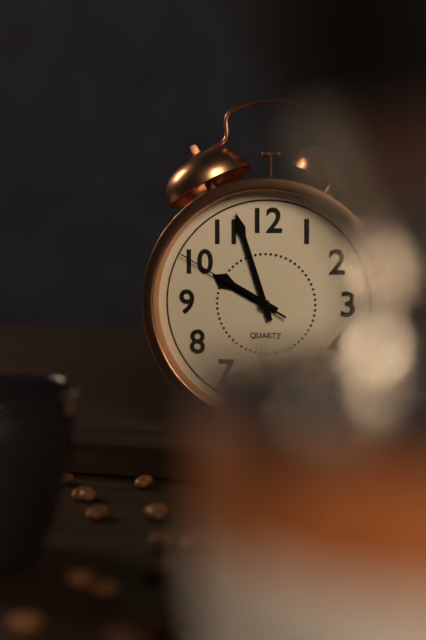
9:57:50
